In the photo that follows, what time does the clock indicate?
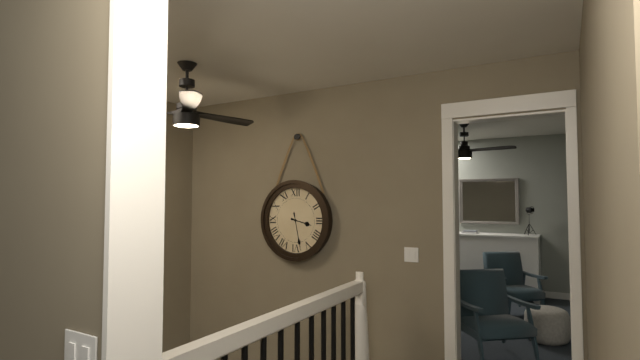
3:28
